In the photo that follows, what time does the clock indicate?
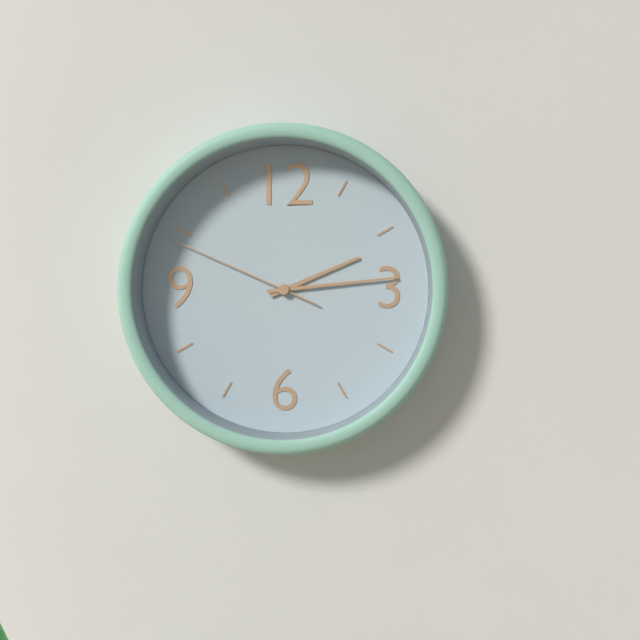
2:14:49
